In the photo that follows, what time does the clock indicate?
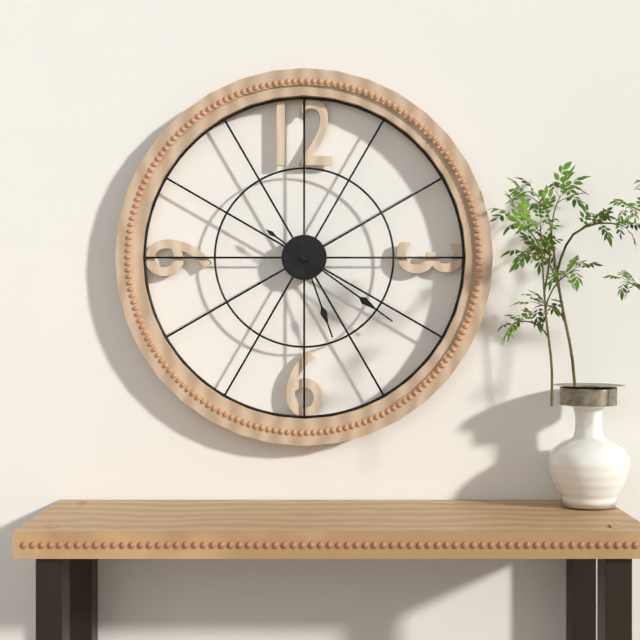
5:21
